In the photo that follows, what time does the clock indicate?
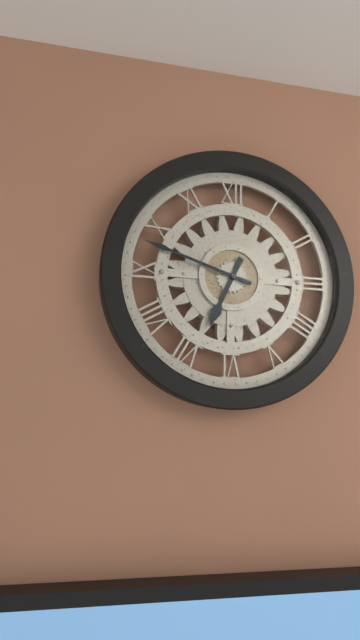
6:48
